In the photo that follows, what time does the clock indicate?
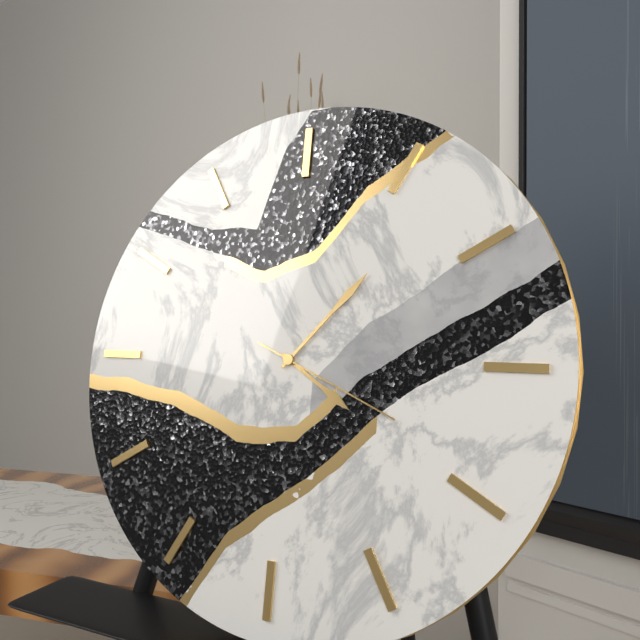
4:07:19
